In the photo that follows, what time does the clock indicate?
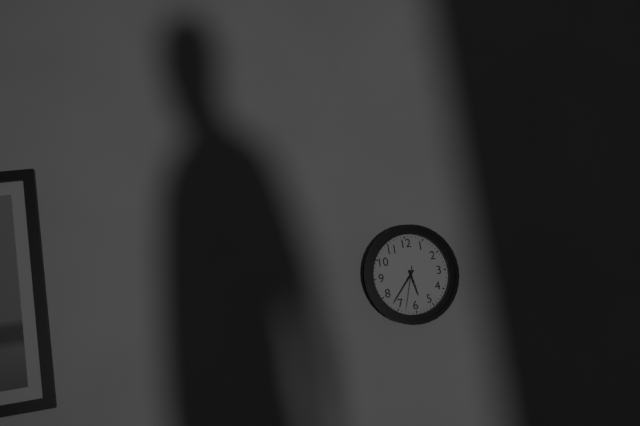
5:37
